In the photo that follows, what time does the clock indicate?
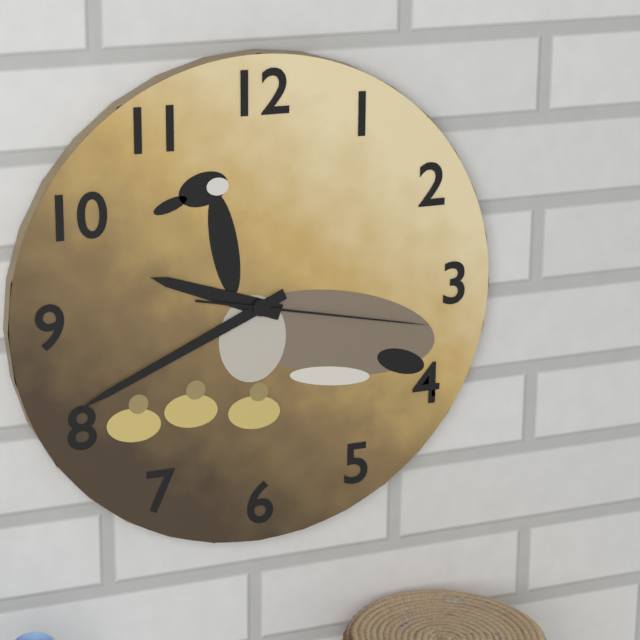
9:41:17
